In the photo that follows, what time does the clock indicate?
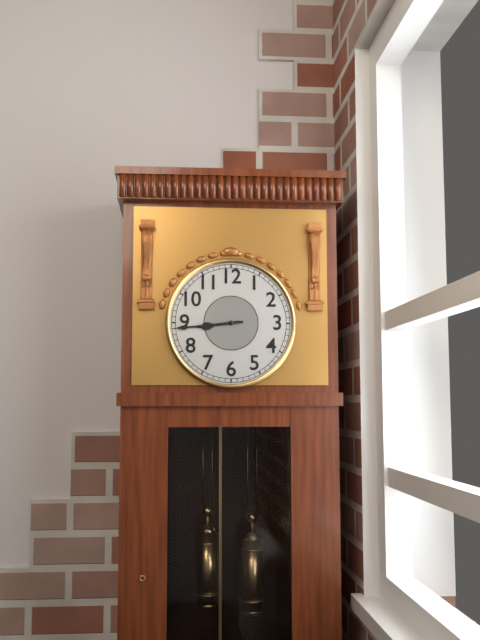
8:44
